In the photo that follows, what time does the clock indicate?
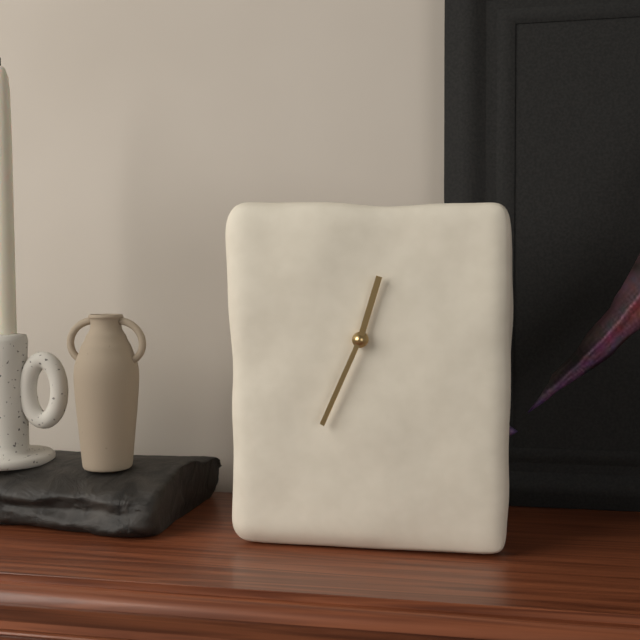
12:34
